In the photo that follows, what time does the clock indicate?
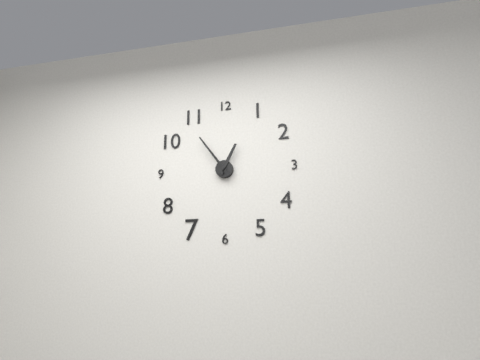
12:54
